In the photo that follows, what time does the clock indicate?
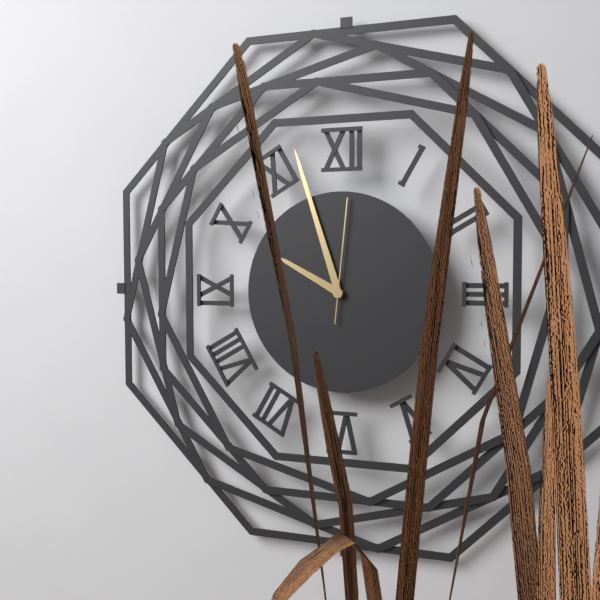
9:57:01
